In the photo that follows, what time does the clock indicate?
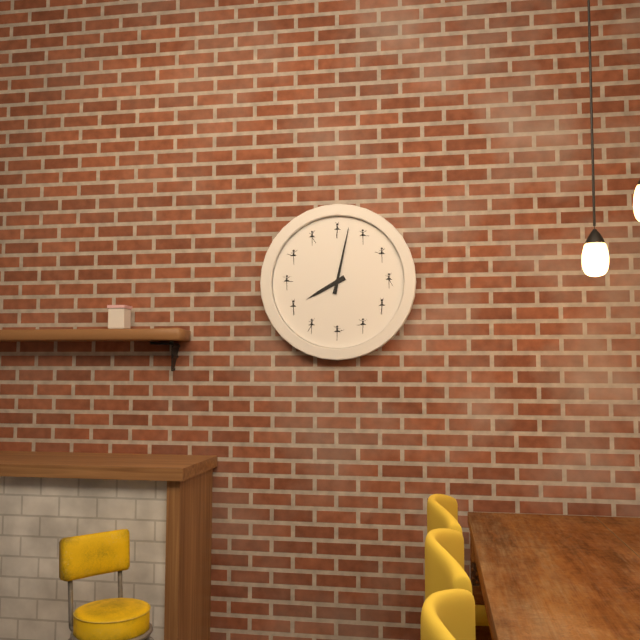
8:02
